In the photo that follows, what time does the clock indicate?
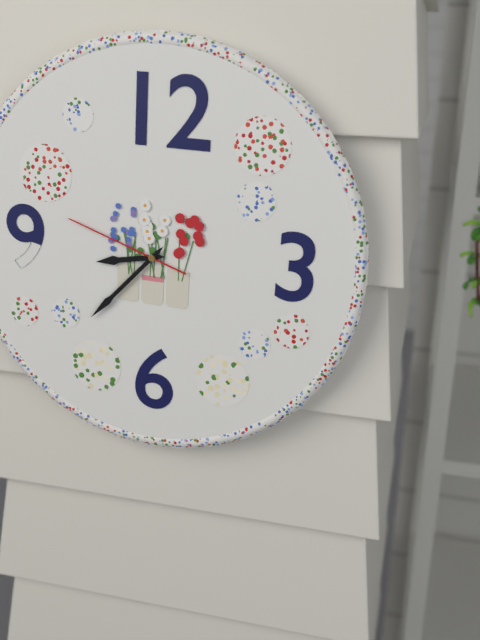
8:37:48
